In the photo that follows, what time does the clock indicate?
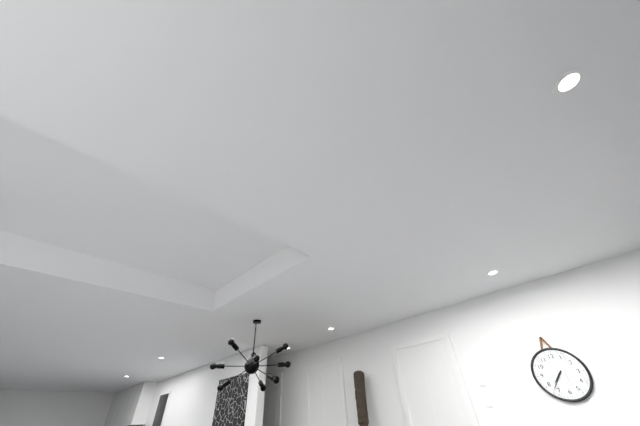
7:37
